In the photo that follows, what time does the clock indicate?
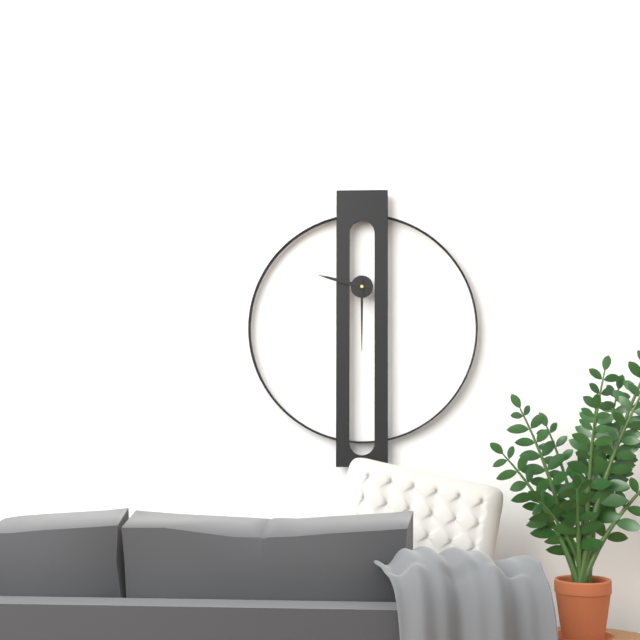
9:30
